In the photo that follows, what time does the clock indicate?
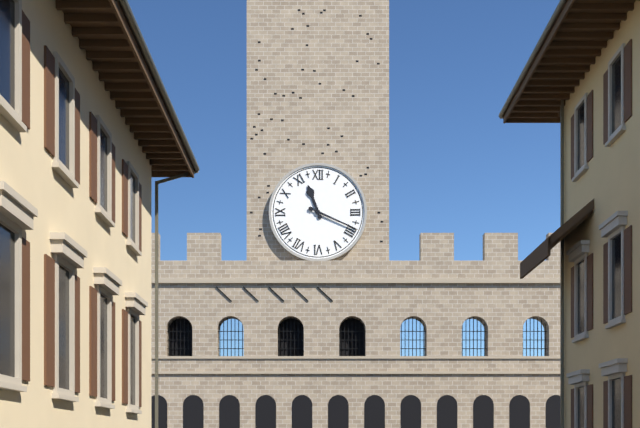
11:19
